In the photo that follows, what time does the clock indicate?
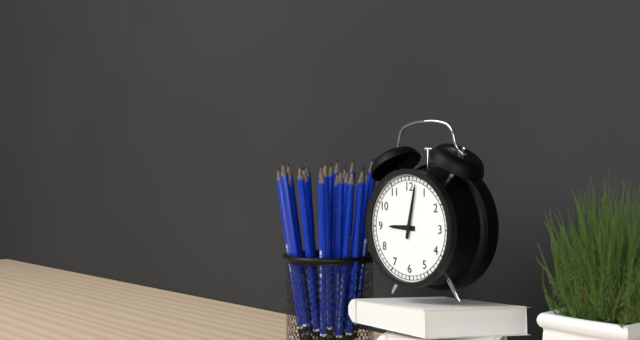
9:02
